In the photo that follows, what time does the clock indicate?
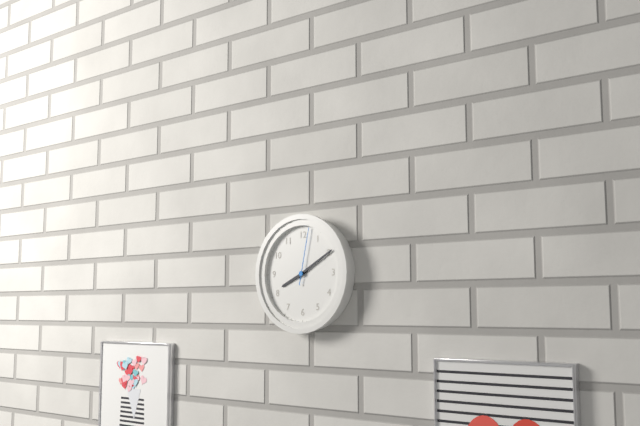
8:10:02
